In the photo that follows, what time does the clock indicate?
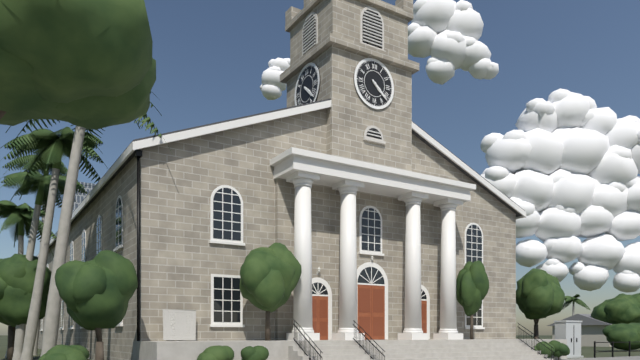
4:22
